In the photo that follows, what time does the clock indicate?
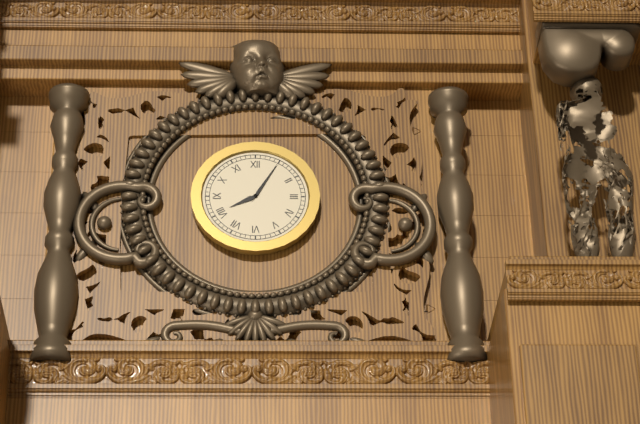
8:05
